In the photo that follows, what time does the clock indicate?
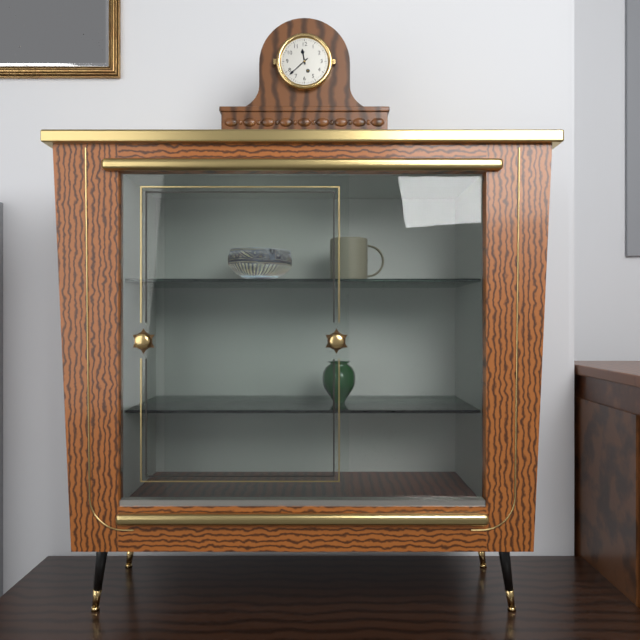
11:38
